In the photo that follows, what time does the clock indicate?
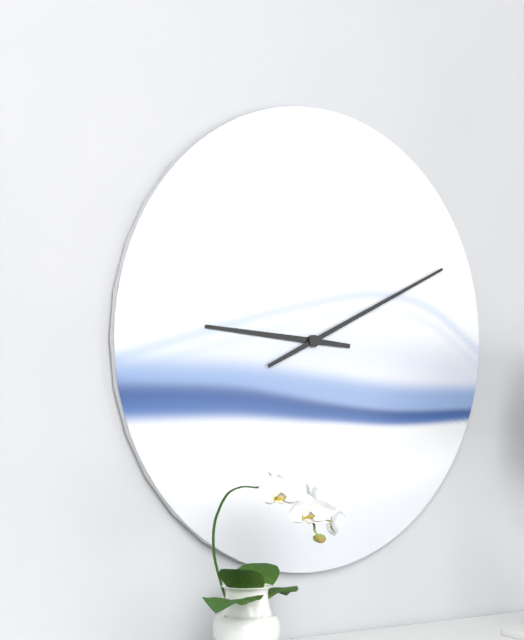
9:11
